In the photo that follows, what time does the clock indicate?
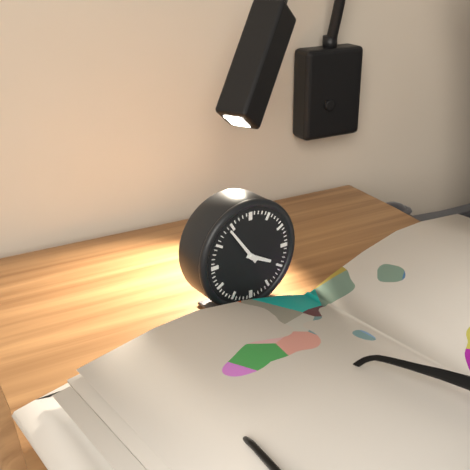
3:54
